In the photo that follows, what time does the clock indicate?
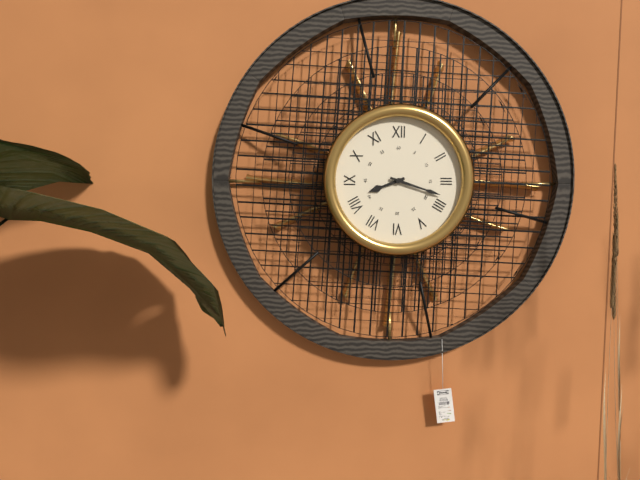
8:18
